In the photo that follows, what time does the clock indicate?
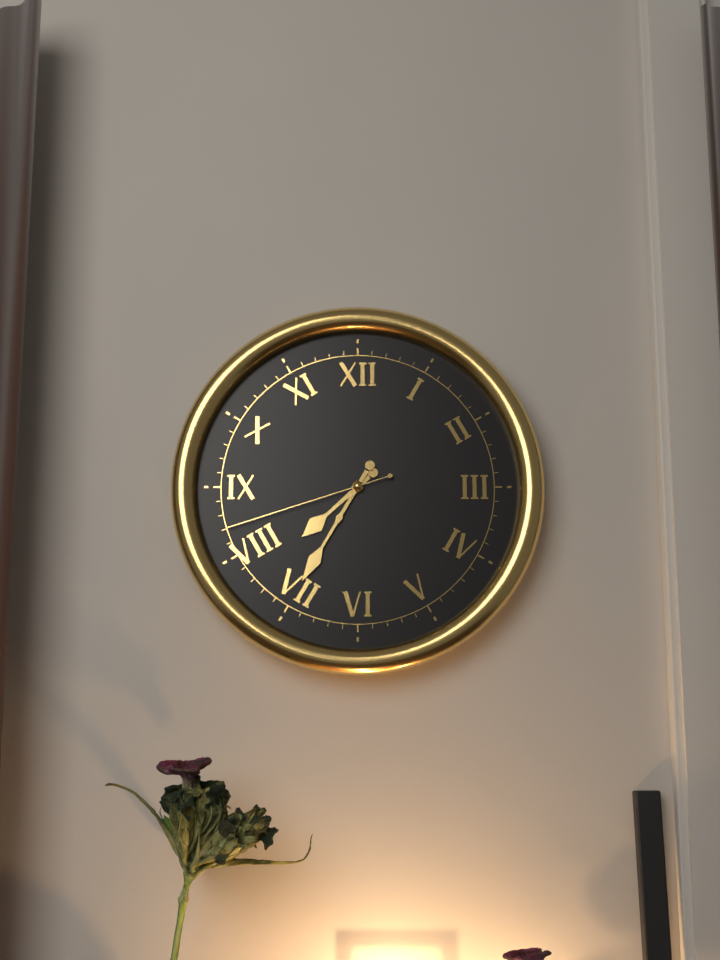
7:35:42
